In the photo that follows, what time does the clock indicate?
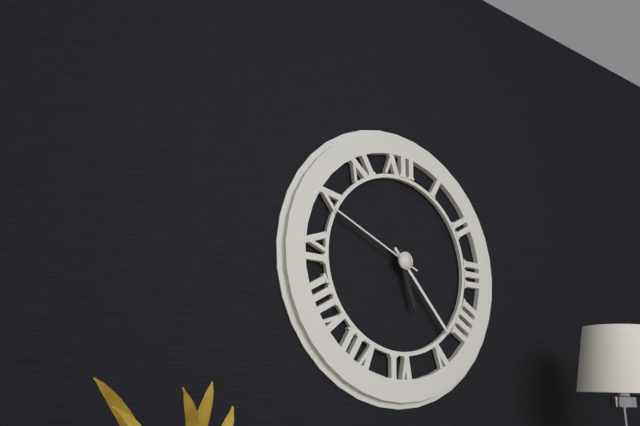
5:23:49
